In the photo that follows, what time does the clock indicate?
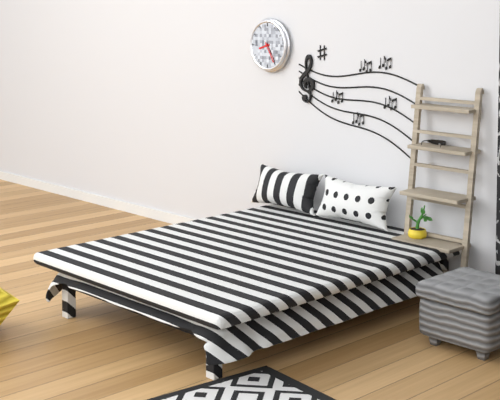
8:25
